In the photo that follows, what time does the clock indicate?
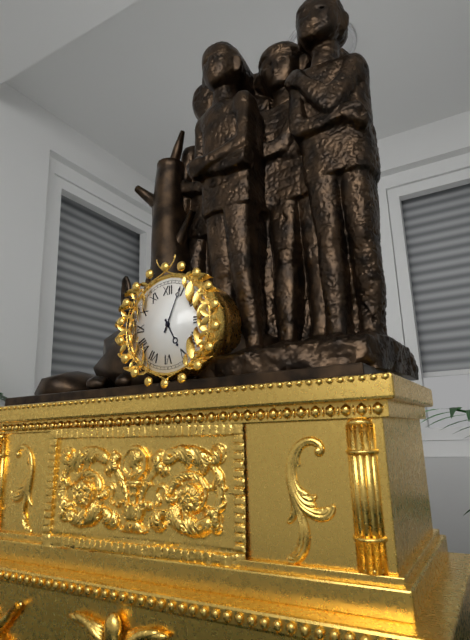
5:04
